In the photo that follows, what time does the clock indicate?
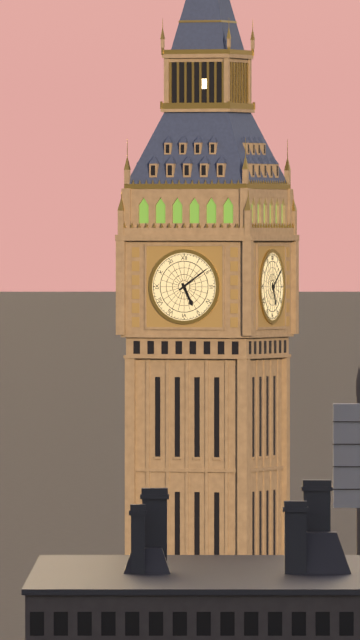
5:09
